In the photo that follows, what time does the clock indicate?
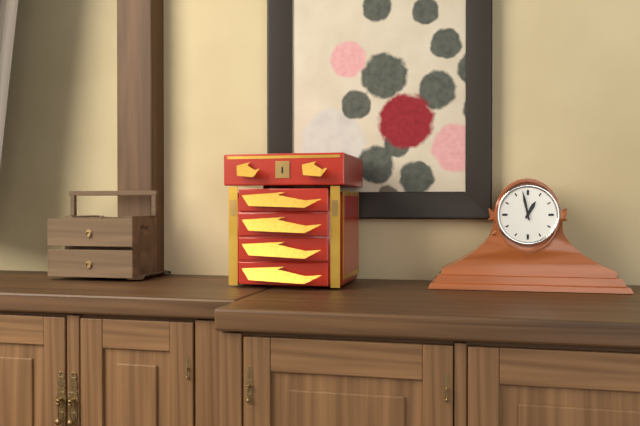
12:58
